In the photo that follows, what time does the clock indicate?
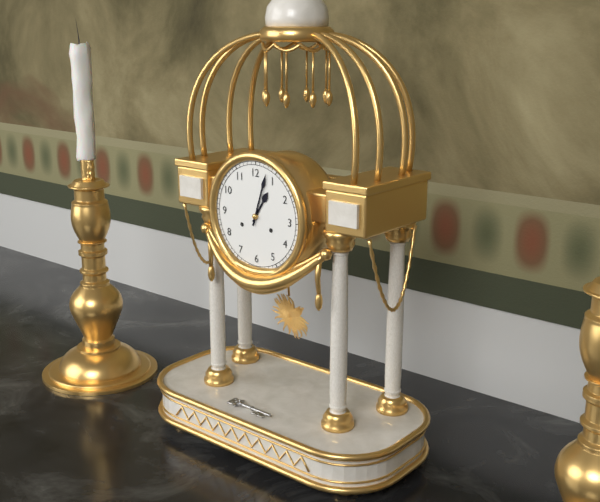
1:03
